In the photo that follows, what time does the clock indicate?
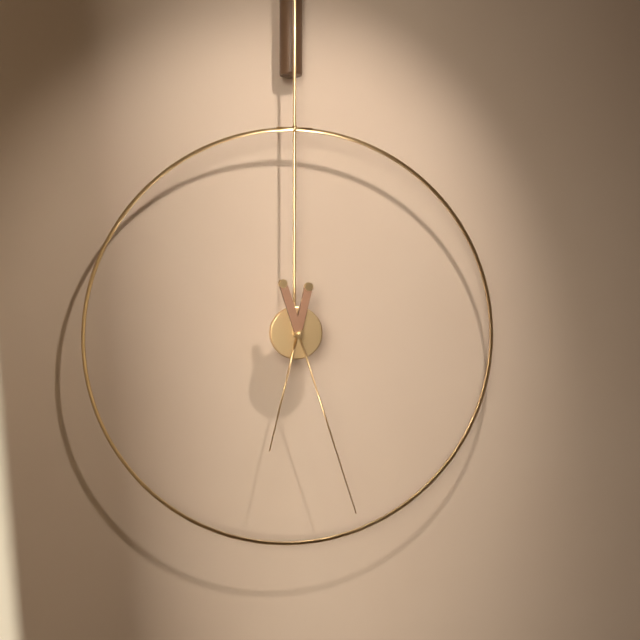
6:27
